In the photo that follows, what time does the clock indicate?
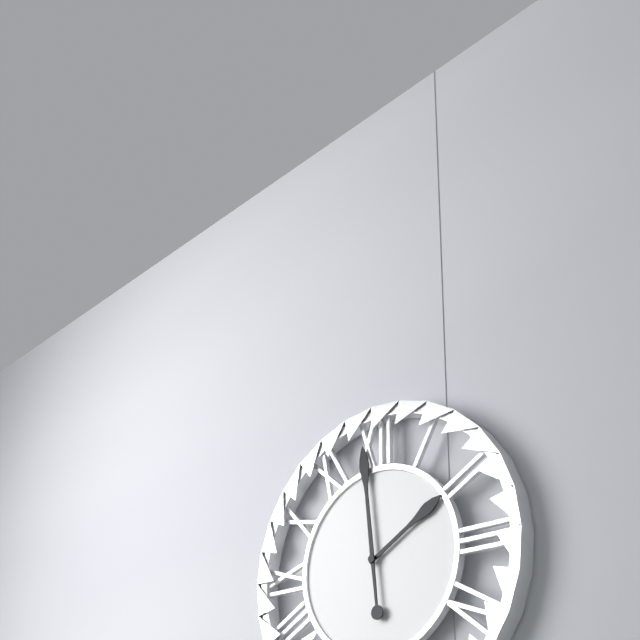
1:59
